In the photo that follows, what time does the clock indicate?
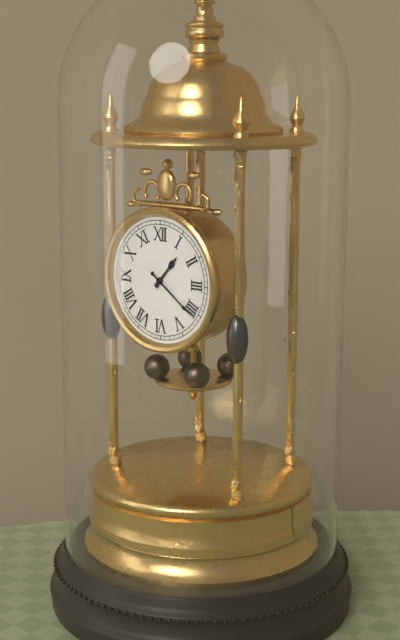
1:21
